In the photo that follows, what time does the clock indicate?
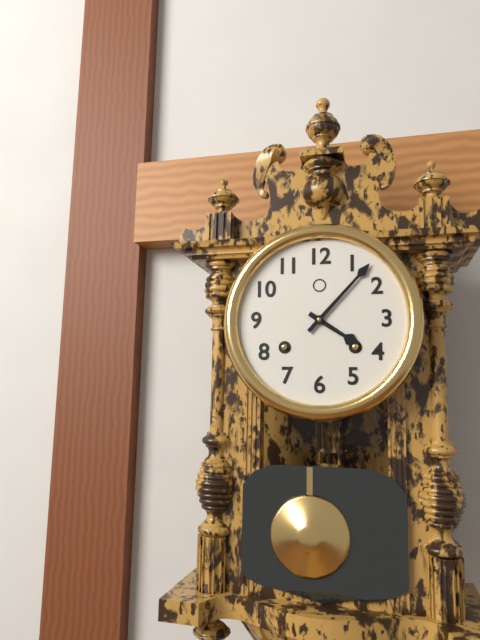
4:07
